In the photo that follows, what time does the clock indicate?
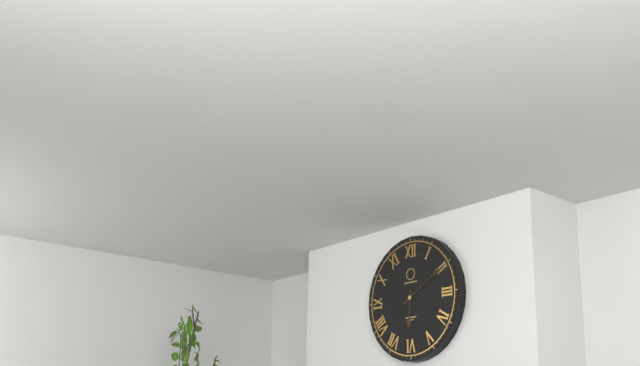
6:10
